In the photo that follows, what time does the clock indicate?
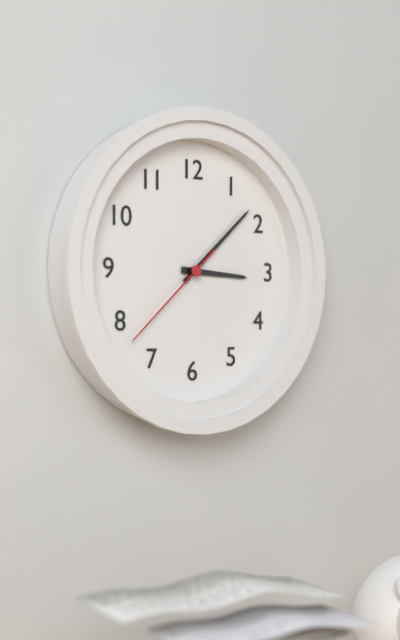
3:08:38
